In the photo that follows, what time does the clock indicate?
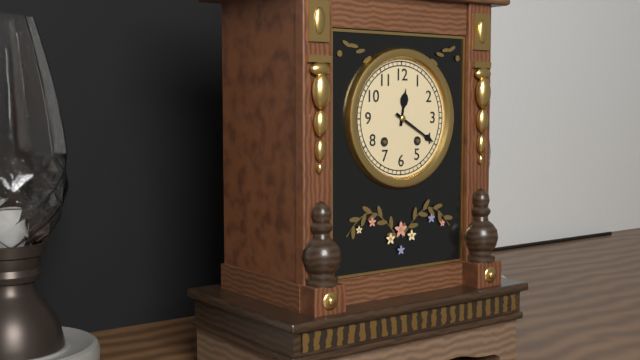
12:20
